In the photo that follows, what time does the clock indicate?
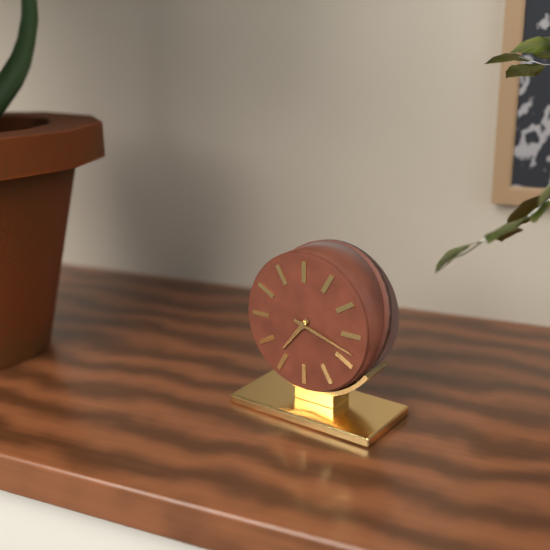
7:18
